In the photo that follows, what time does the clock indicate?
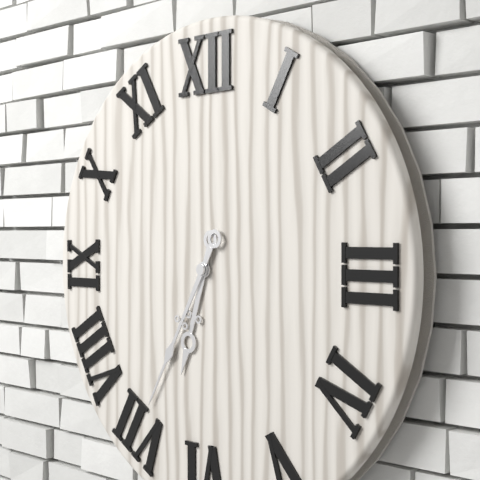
6:35
